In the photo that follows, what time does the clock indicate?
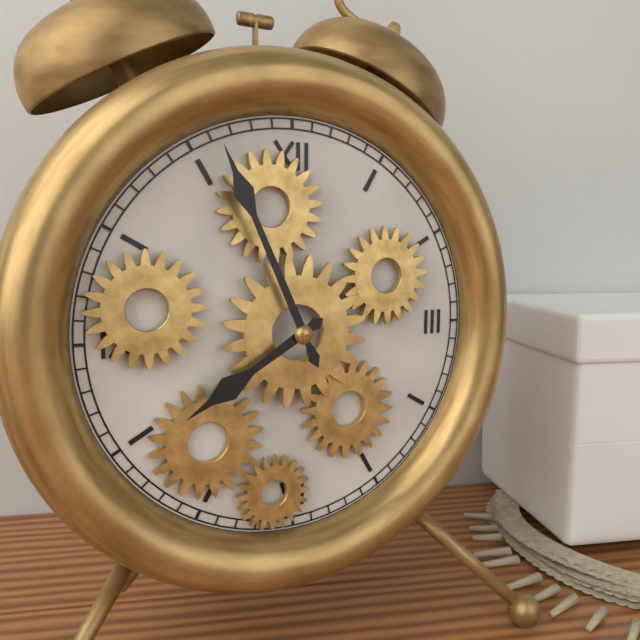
7:56
